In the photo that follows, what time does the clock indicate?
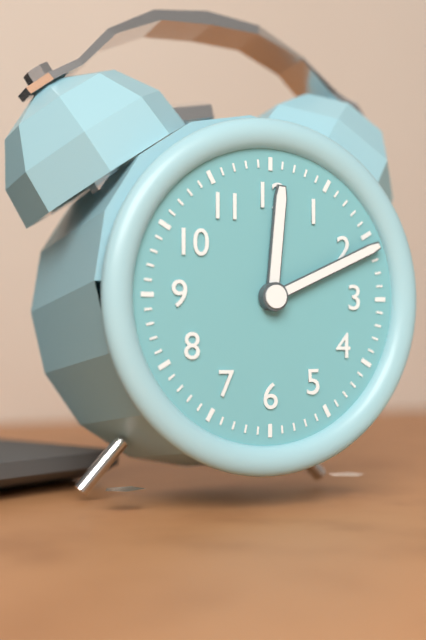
12:11
